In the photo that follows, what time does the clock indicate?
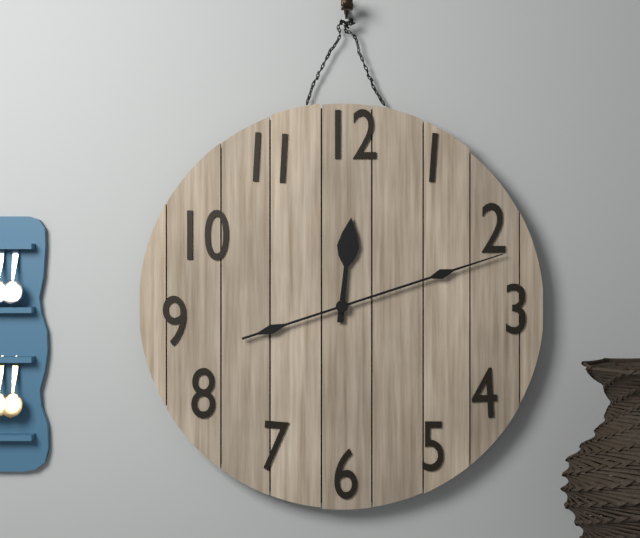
12:12
